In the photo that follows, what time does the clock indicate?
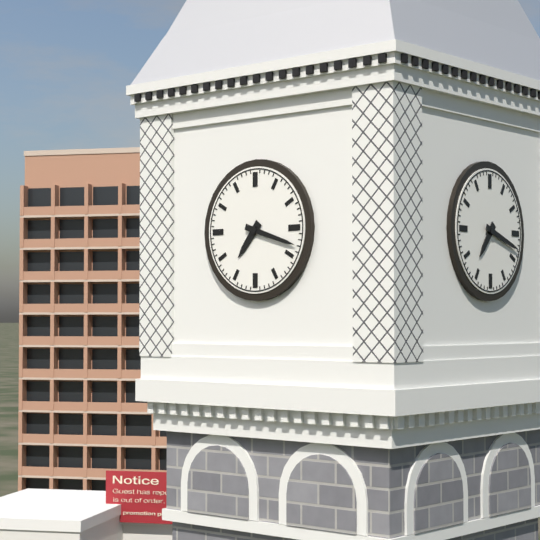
7:18
